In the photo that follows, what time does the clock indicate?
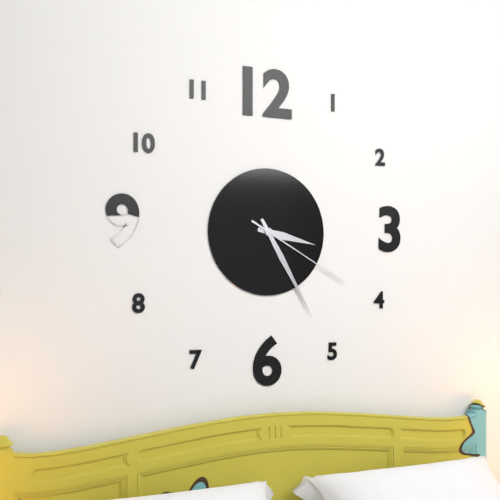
3:25:20
